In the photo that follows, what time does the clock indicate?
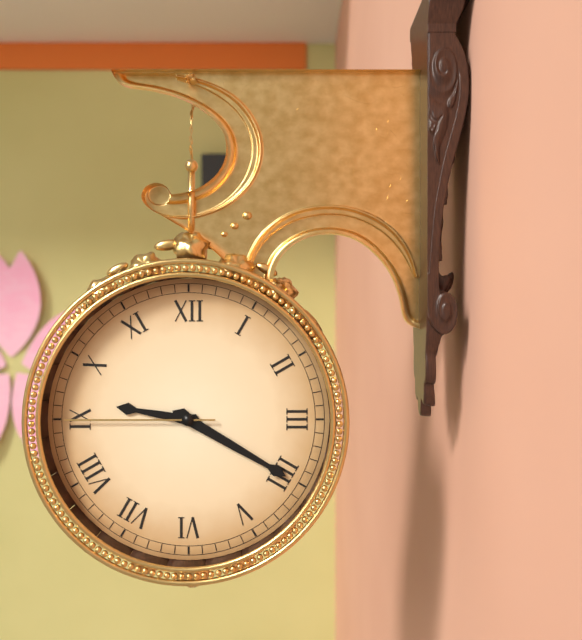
9:20:45
